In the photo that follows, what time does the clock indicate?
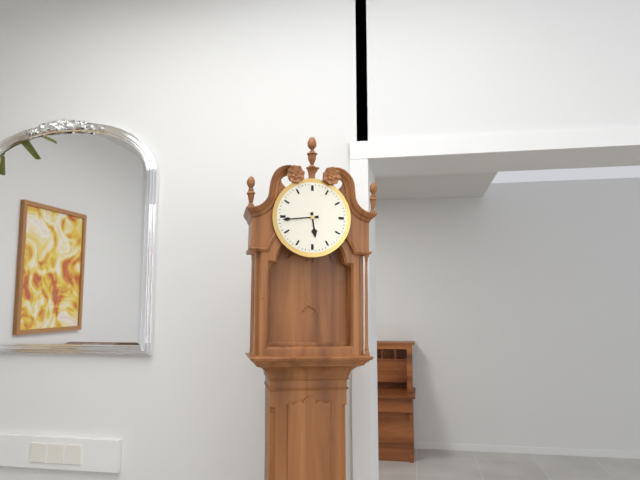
5:44
